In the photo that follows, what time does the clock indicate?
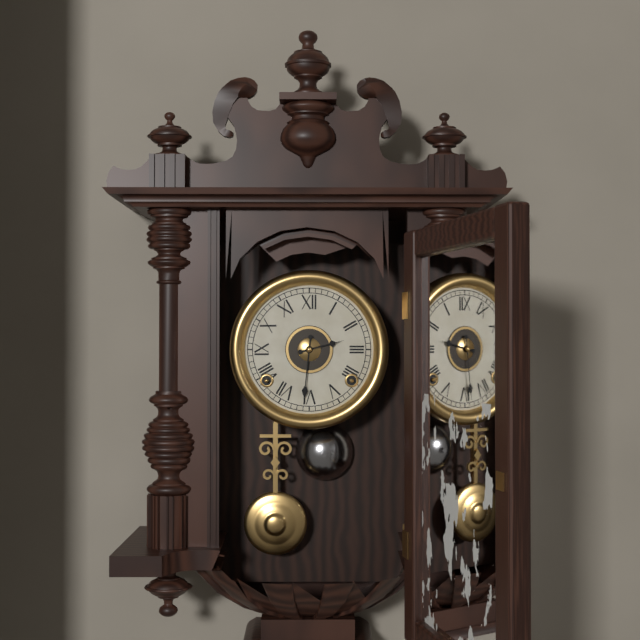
2:31
